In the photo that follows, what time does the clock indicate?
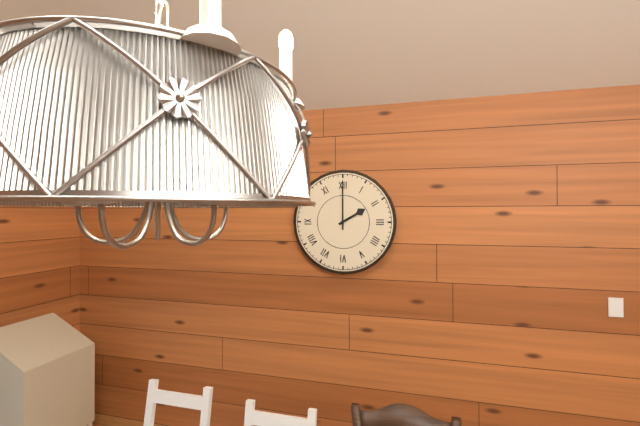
2:00
